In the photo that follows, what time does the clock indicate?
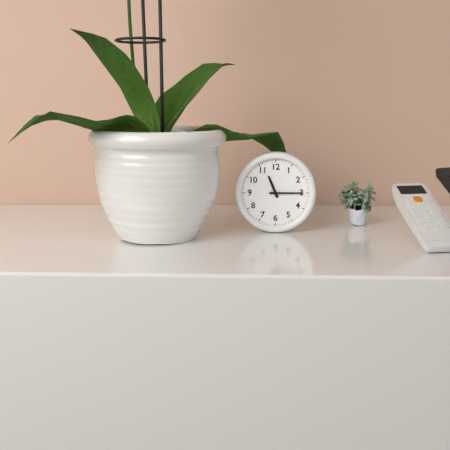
11:15
